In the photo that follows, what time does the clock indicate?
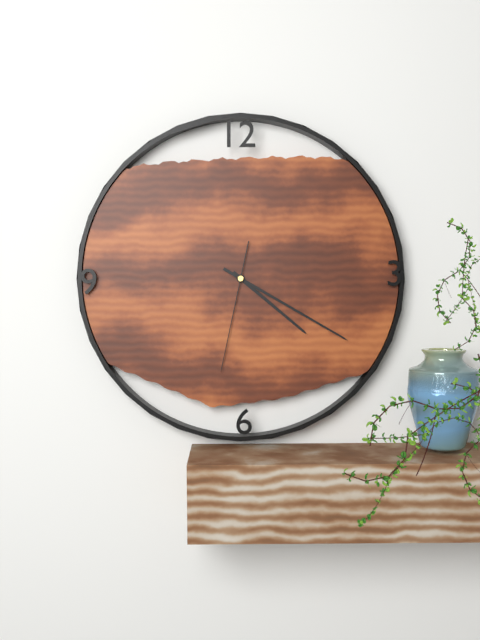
4:20:32
